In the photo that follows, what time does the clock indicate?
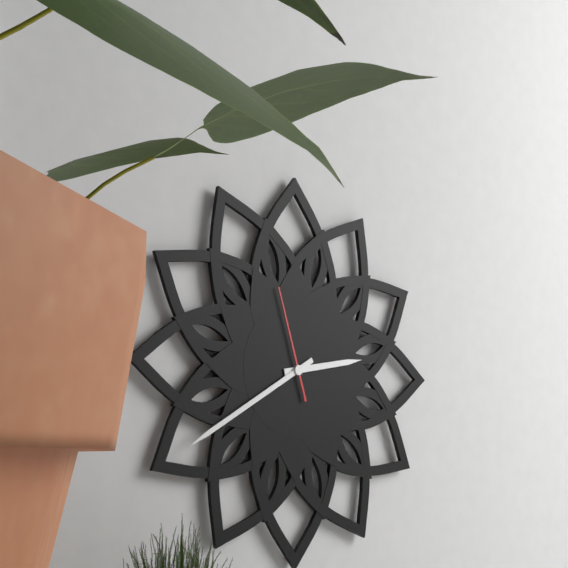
2:40:57
